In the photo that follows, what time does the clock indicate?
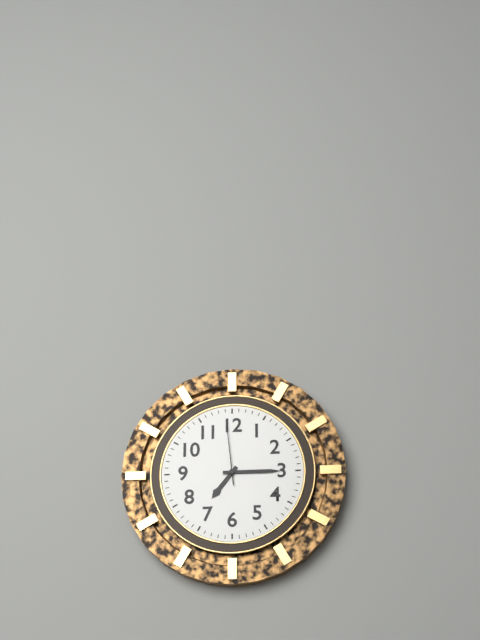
7:15:59
